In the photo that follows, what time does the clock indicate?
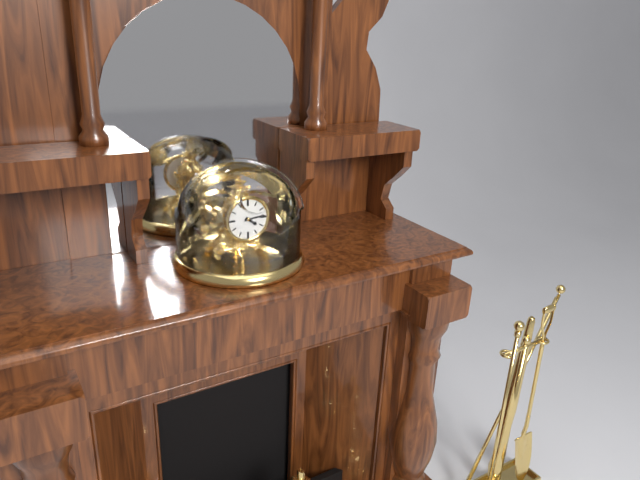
4:14
